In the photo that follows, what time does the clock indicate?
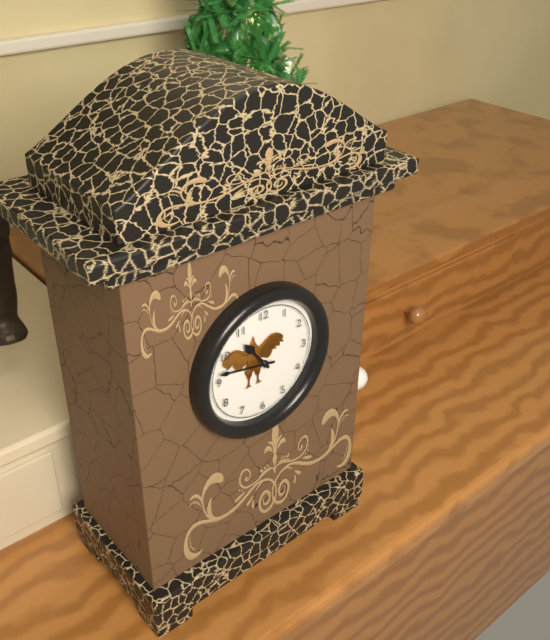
10:47
